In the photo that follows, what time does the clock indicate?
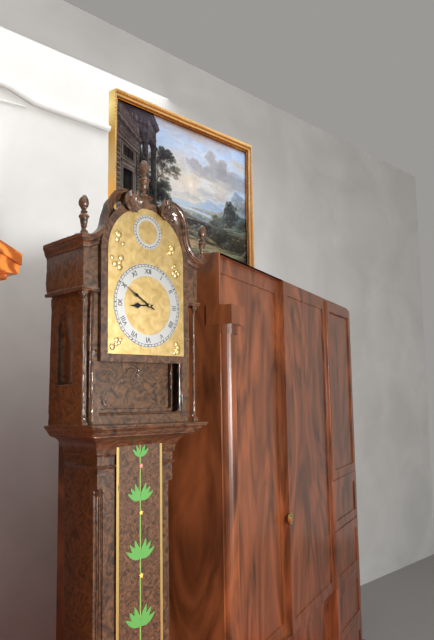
8:50
